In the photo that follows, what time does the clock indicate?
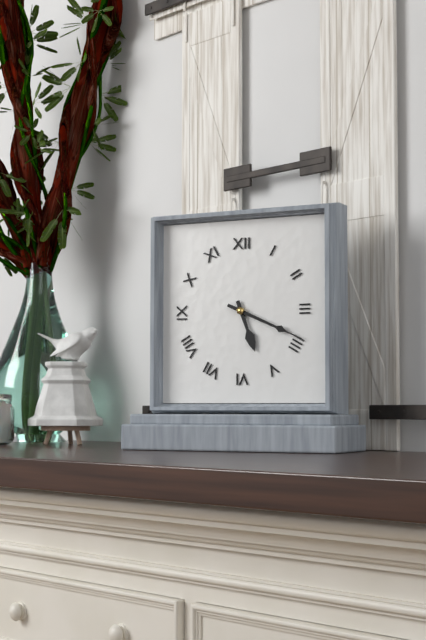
5:19
